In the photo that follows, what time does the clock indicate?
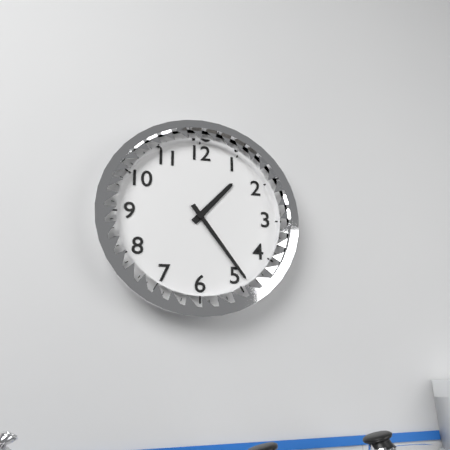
1:24
